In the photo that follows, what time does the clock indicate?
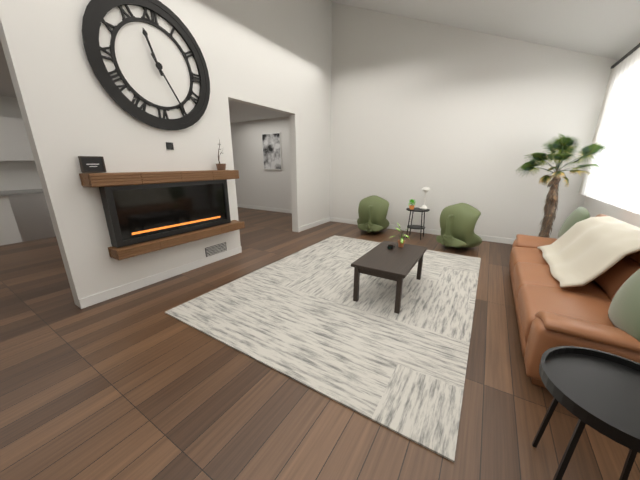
11:25
